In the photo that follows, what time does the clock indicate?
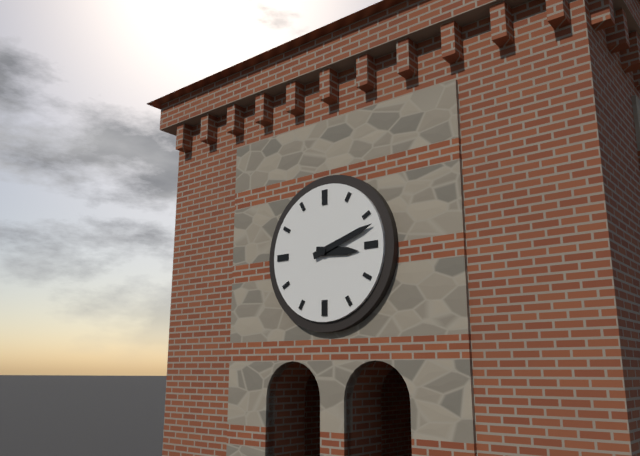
3:12
